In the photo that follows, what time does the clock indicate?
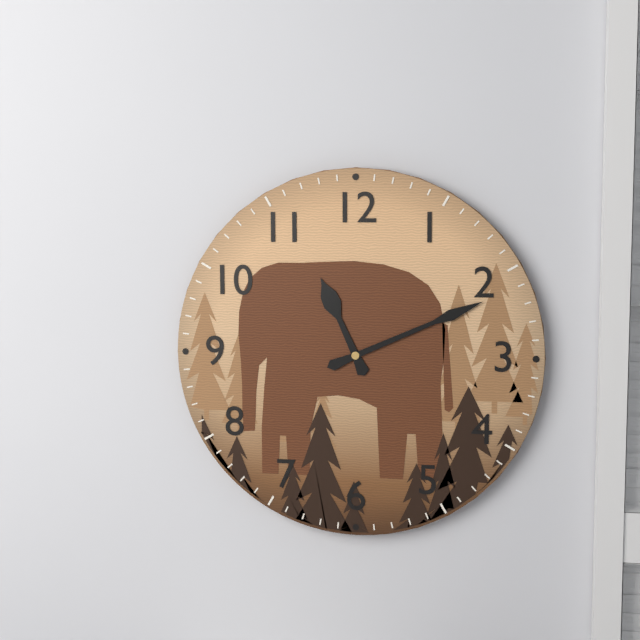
11:11
